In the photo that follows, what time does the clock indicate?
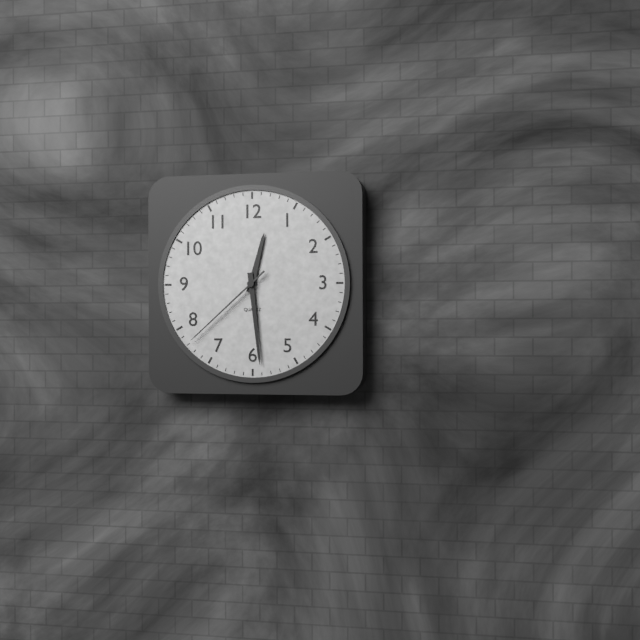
12:29:38
